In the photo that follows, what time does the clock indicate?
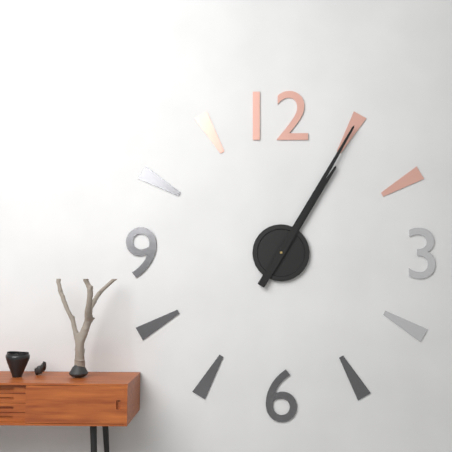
1:05
